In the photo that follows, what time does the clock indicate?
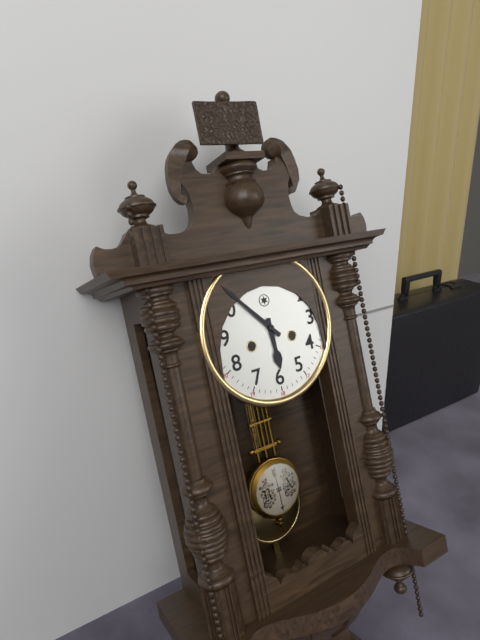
5:53
